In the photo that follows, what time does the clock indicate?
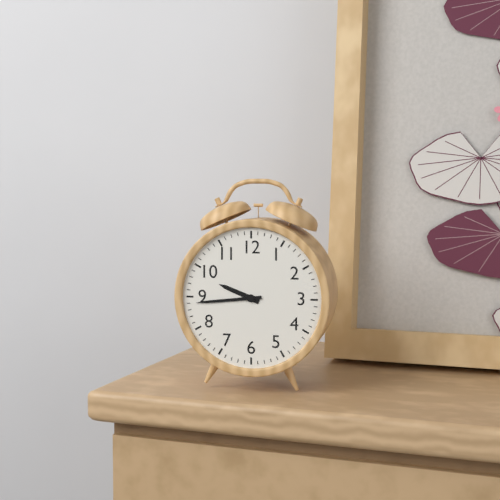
9:44
